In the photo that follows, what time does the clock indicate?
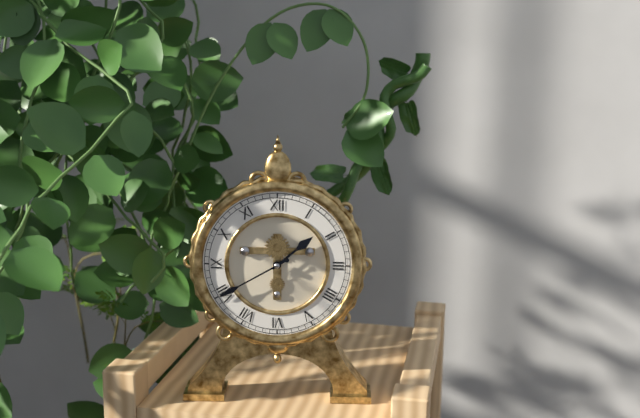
1:40
